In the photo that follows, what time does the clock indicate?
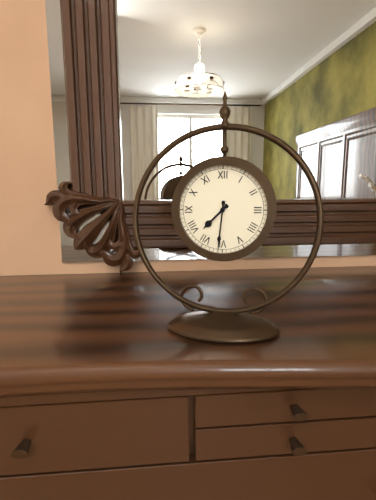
7:31
